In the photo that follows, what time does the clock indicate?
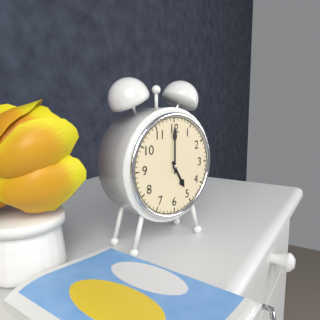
5:00
